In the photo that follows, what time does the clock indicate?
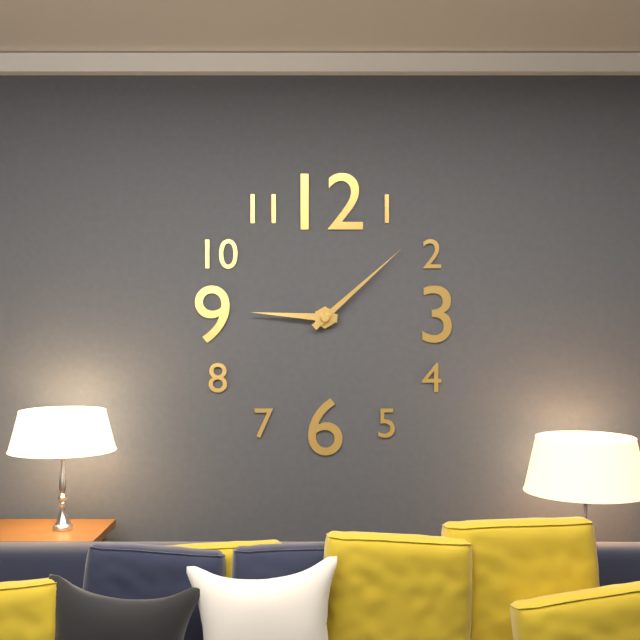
9:08
